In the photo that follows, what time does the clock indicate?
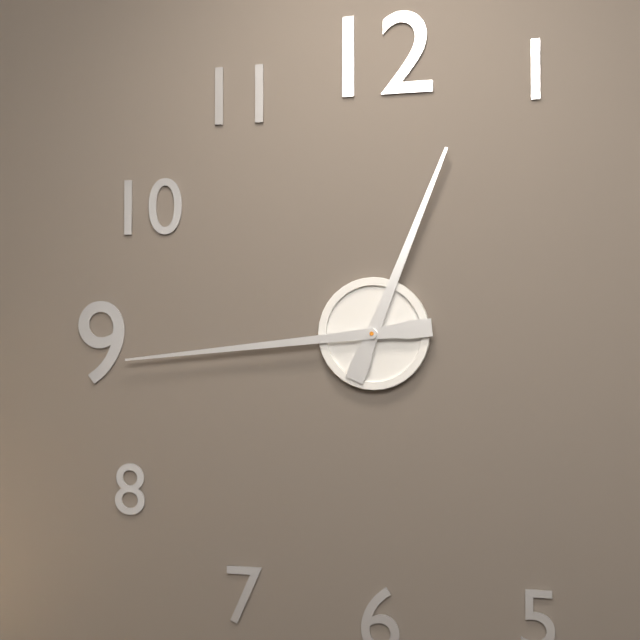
12:44
